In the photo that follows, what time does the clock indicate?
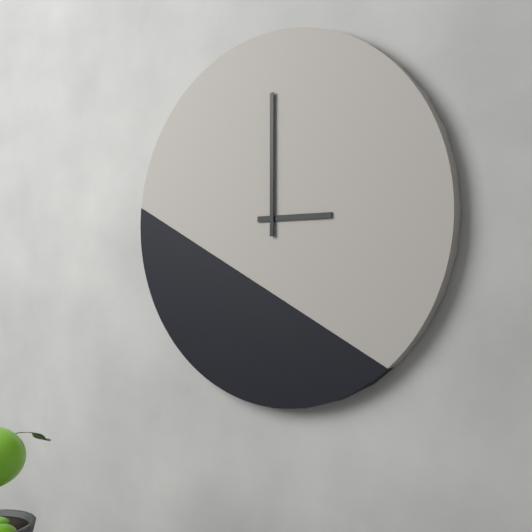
3:00
